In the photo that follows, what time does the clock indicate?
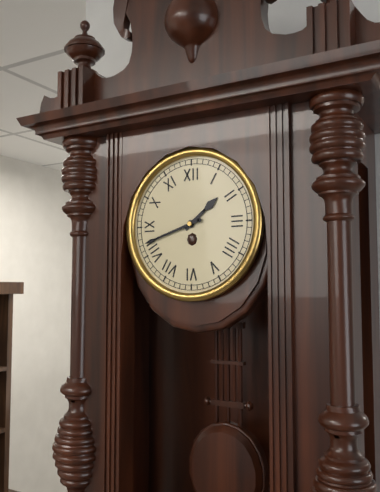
1:42
